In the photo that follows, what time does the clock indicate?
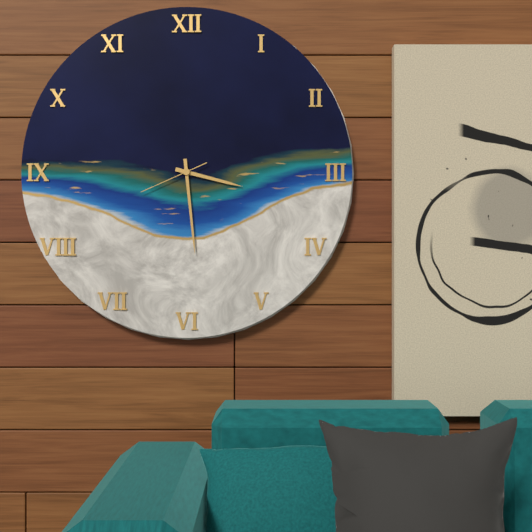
3:29:41
